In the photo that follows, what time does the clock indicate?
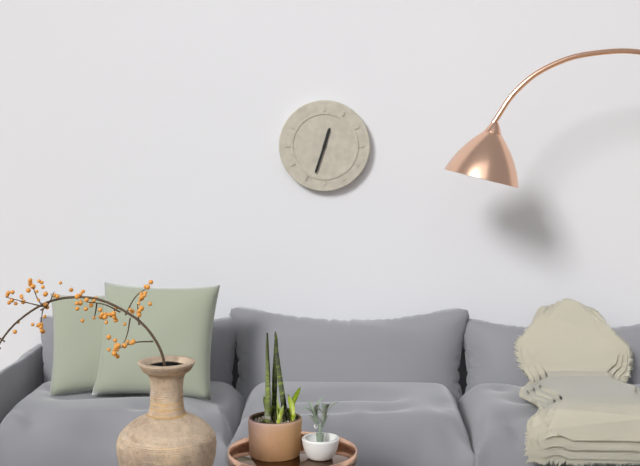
12:33
